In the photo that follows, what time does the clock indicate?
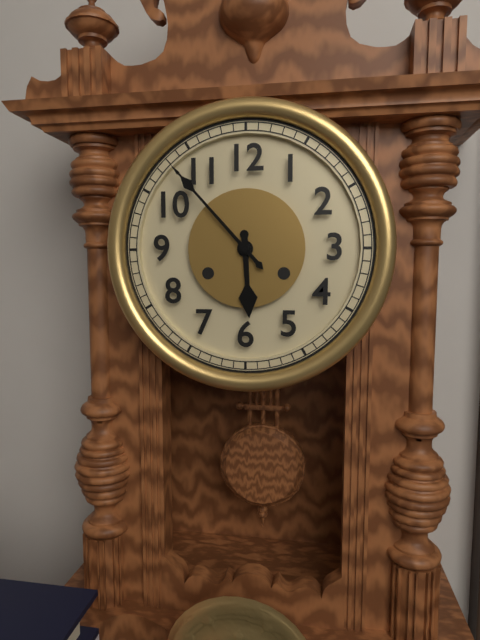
5:53
